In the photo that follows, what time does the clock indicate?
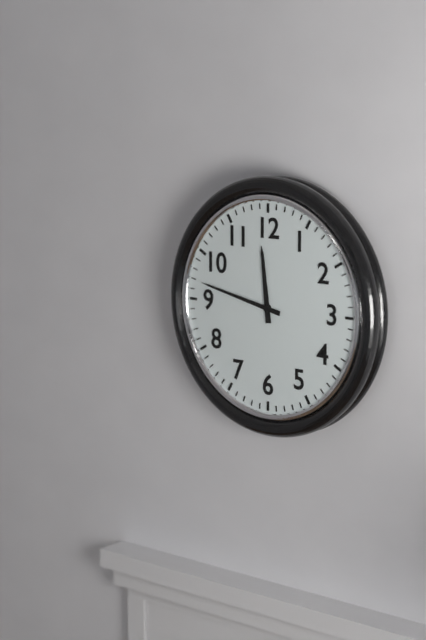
11:47
